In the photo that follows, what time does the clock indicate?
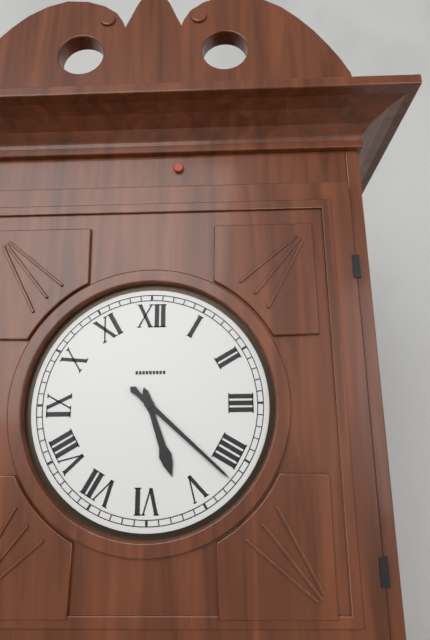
5:22
